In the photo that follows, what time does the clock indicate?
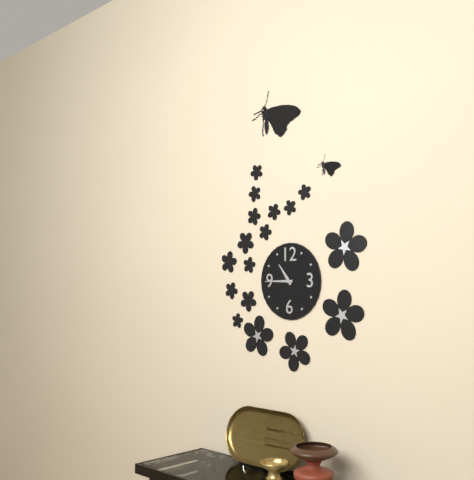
10:45
